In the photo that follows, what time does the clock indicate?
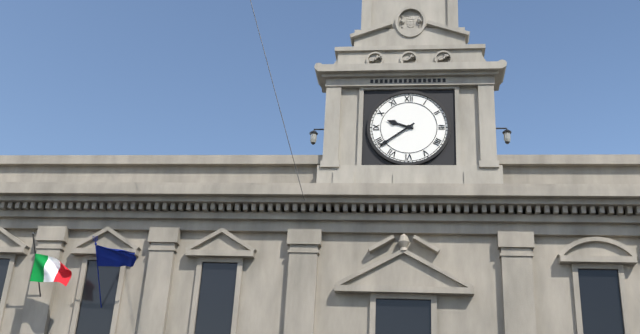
9:39
